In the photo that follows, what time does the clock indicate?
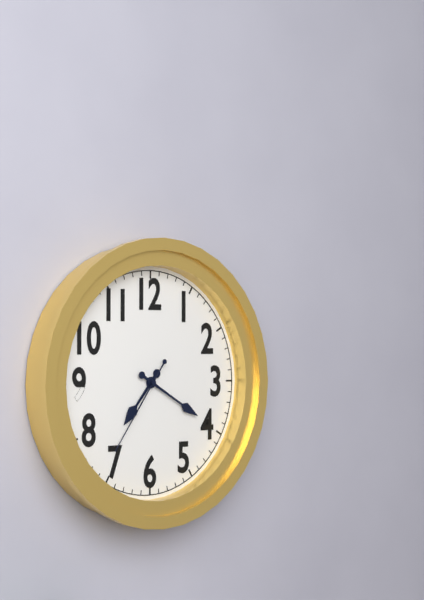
7:20:36
